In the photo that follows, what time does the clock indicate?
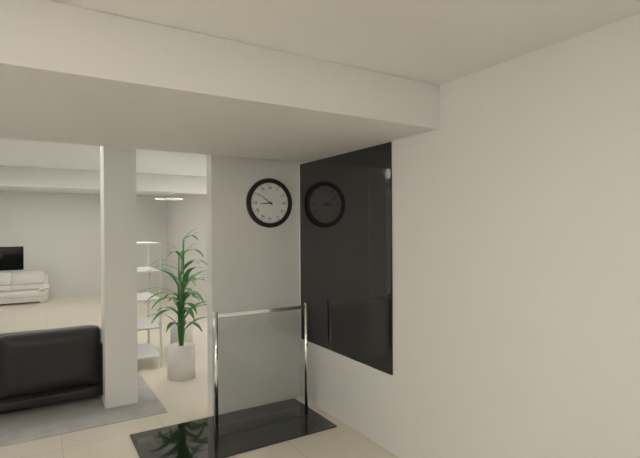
8:51
